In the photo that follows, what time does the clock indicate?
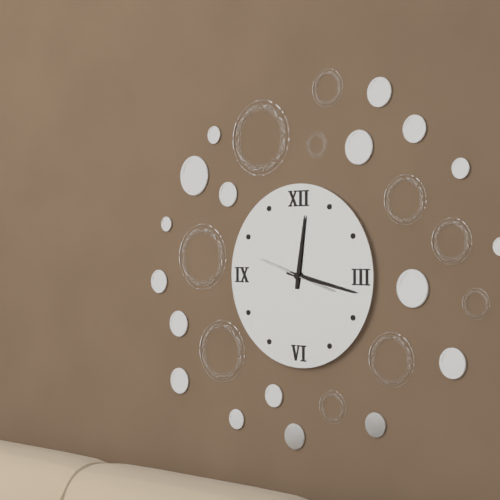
12:17:48
